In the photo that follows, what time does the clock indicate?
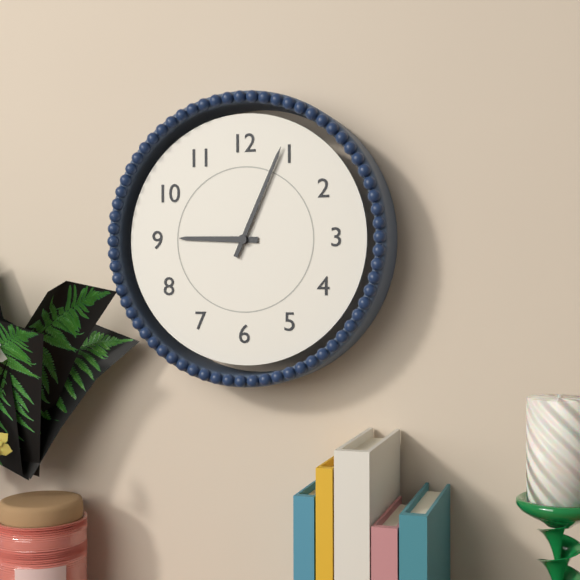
9:04
